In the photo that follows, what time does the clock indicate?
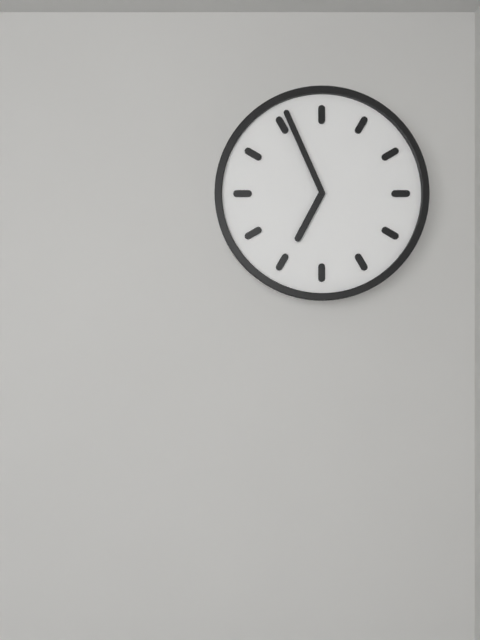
6:56
